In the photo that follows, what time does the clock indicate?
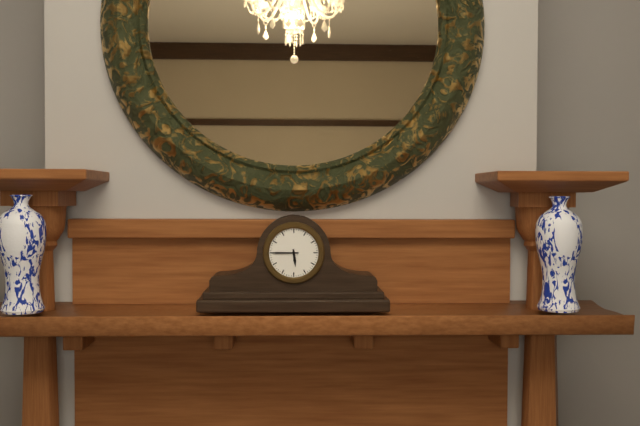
5:45
